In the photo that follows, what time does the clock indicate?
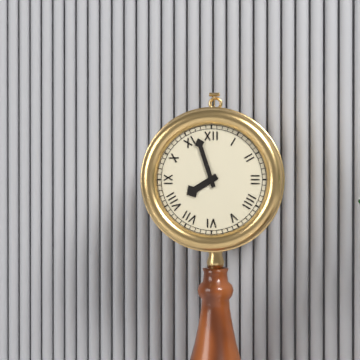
7:57
